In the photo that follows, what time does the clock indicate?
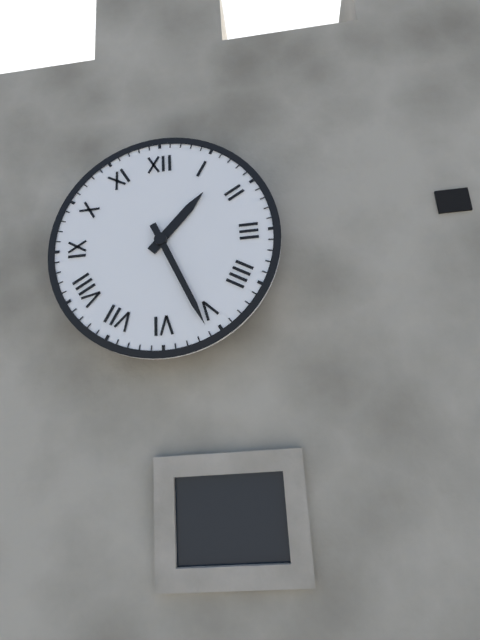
1:26
